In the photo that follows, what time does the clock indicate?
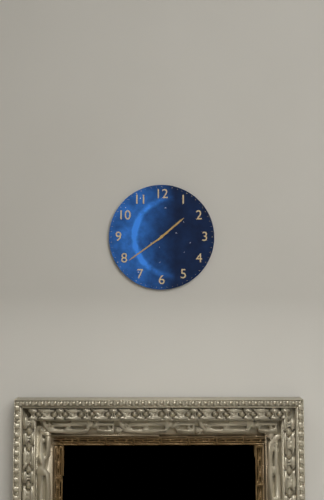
1:39
